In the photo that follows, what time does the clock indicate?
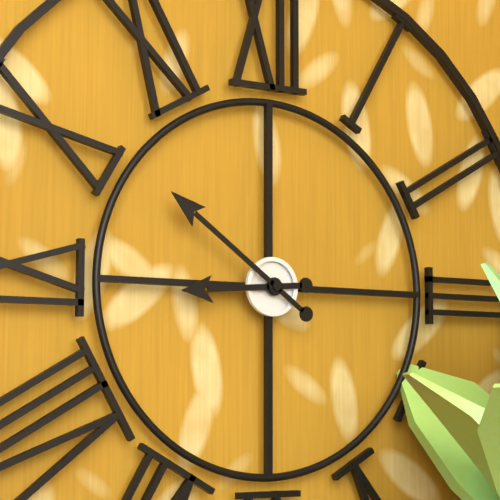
8:51
